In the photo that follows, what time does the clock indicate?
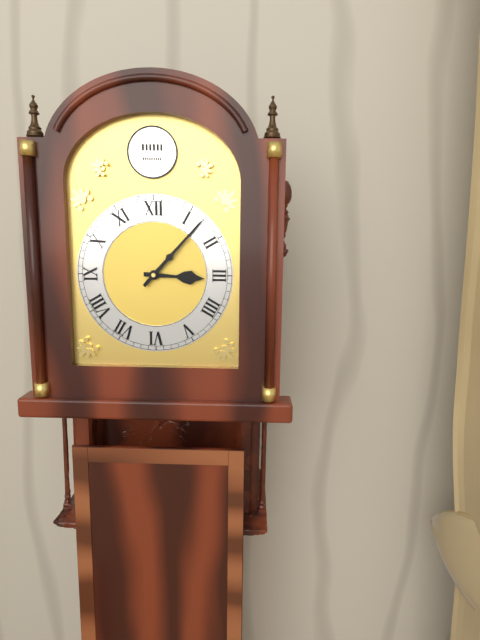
3:07
